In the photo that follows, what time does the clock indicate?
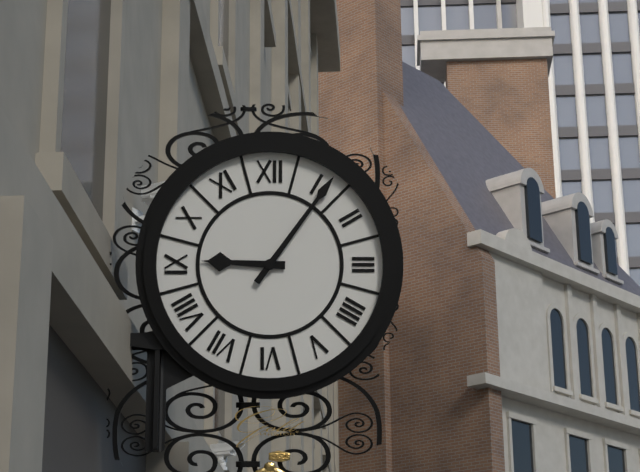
9:06
